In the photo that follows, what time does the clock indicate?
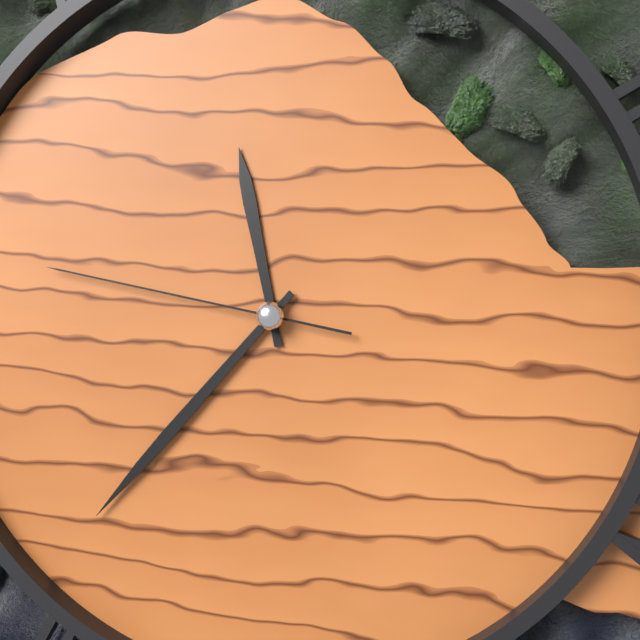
11:37:47
